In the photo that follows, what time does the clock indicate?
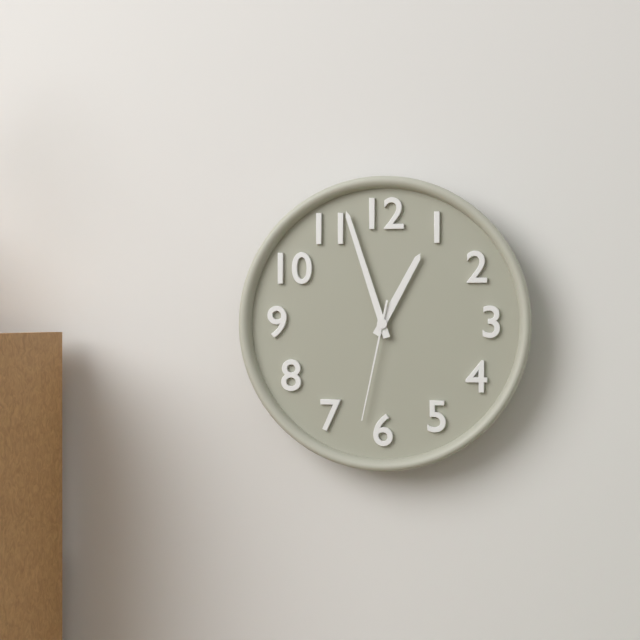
12:57:32
